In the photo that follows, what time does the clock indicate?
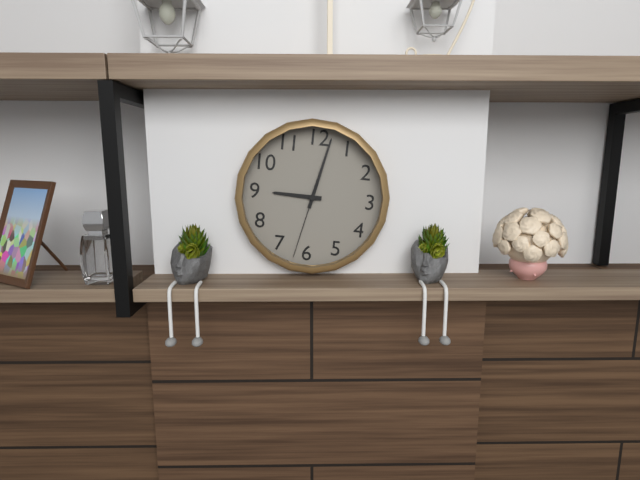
9:02:32
